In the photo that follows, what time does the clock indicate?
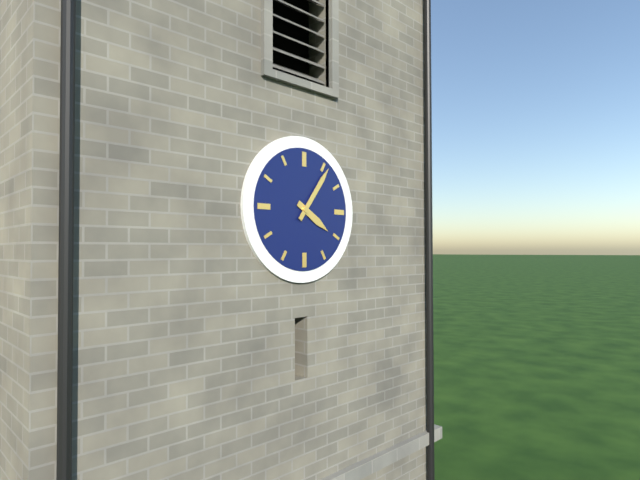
4:06
